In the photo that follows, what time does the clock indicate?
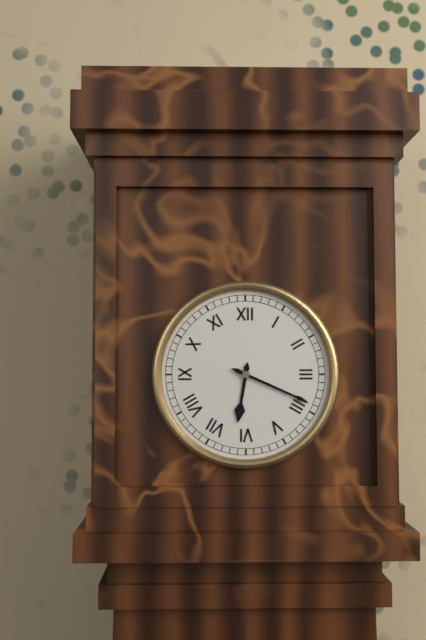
6:19
